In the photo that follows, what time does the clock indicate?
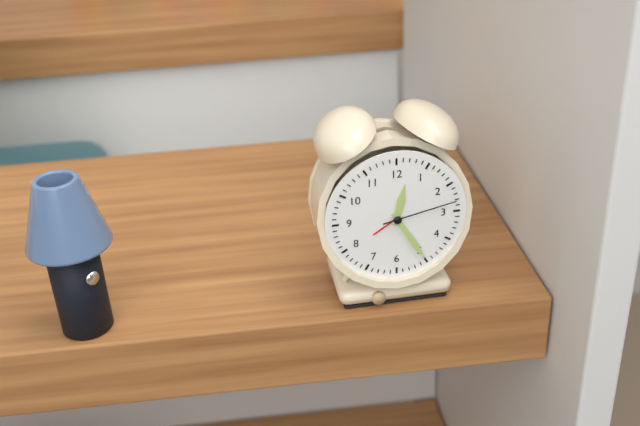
12:25:13
